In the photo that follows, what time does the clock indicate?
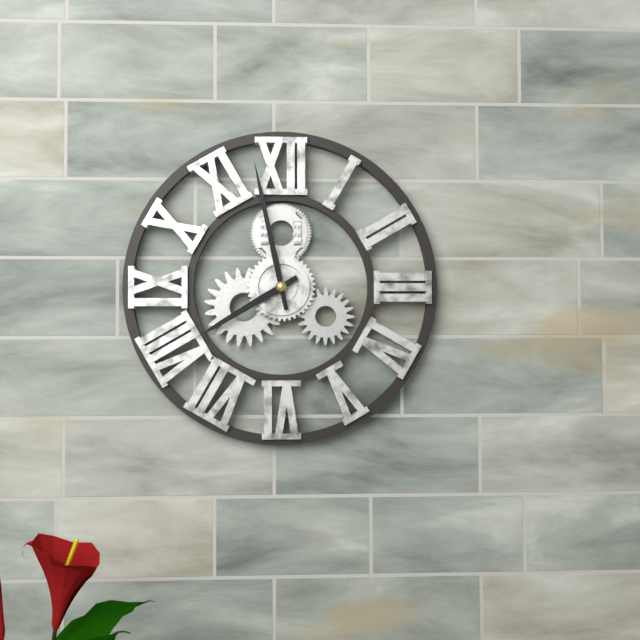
7:58
